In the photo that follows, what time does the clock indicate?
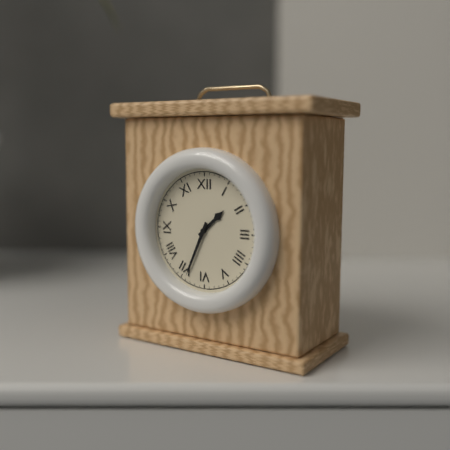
1:34
